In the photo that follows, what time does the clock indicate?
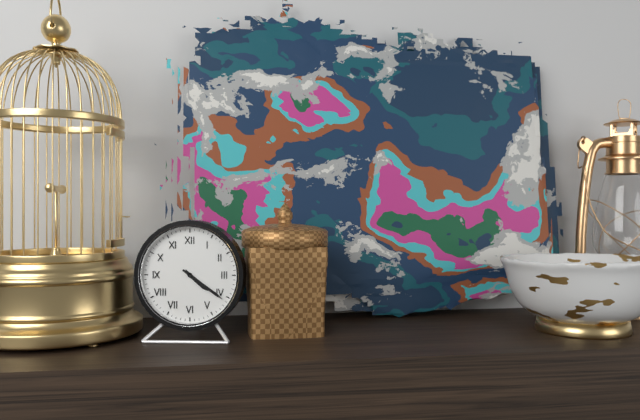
4:21
